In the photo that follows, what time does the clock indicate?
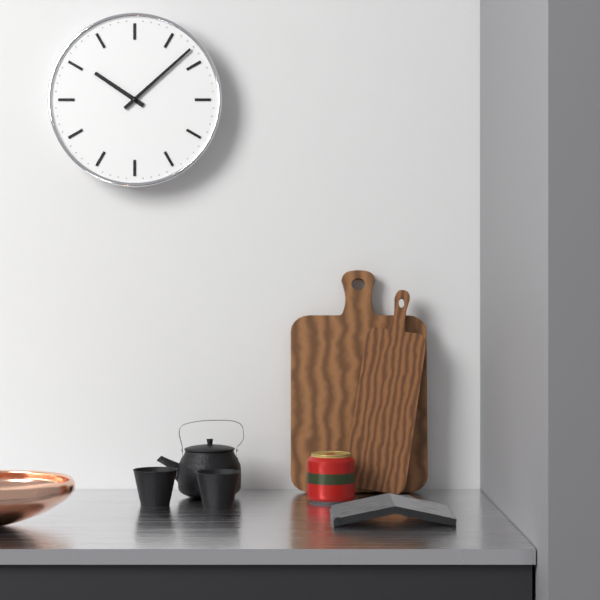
10:08
